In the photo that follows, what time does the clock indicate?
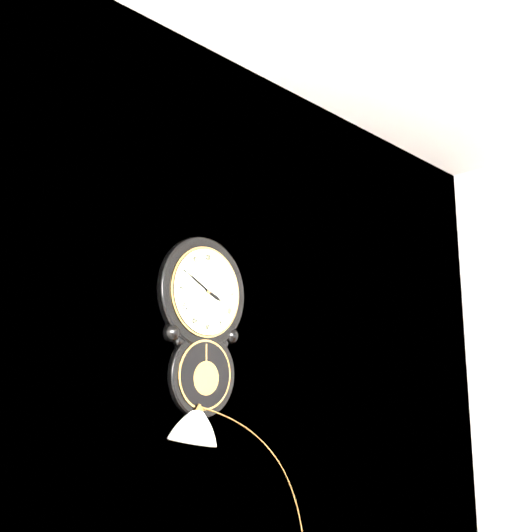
3:50
